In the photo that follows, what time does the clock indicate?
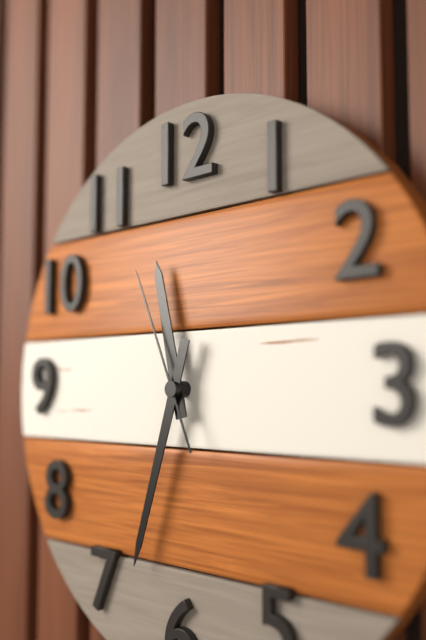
11:33:56
